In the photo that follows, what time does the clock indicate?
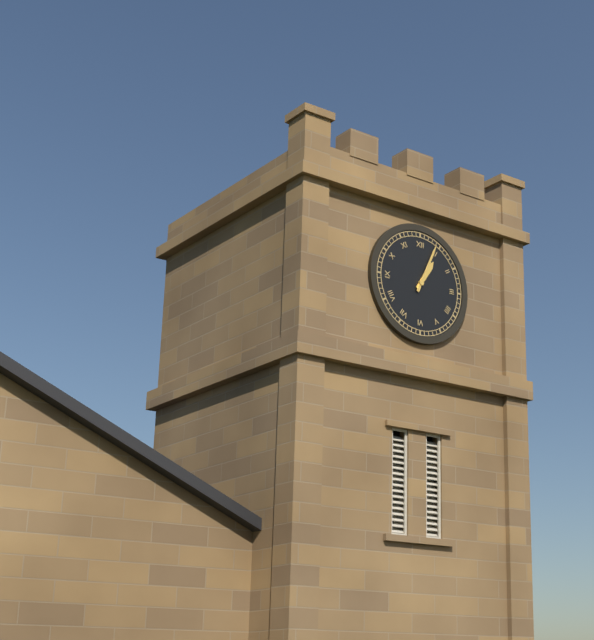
1:04
